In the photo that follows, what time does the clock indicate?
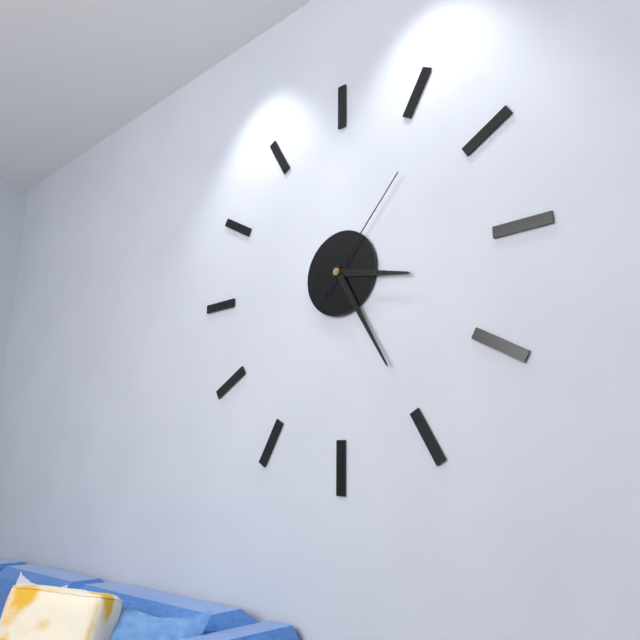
3:25:07
